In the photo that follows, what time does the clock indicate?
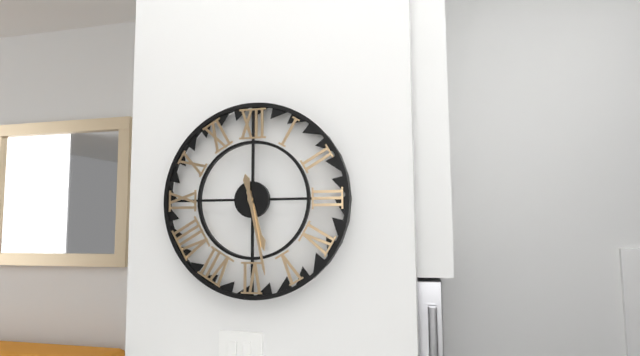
5:28
